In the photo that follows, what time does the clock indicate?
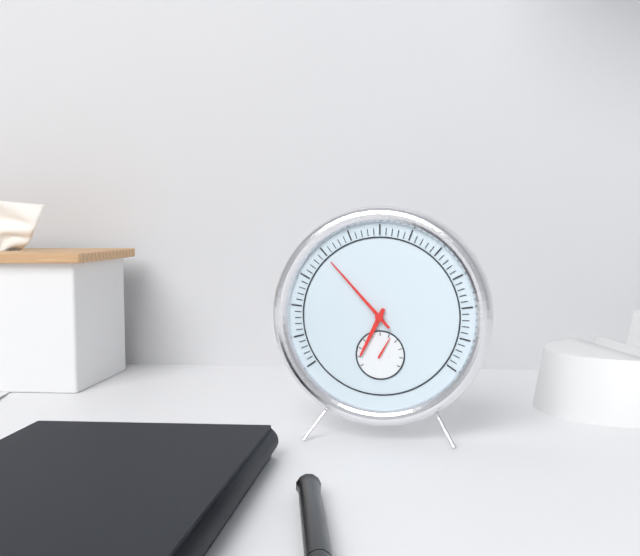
6:53
